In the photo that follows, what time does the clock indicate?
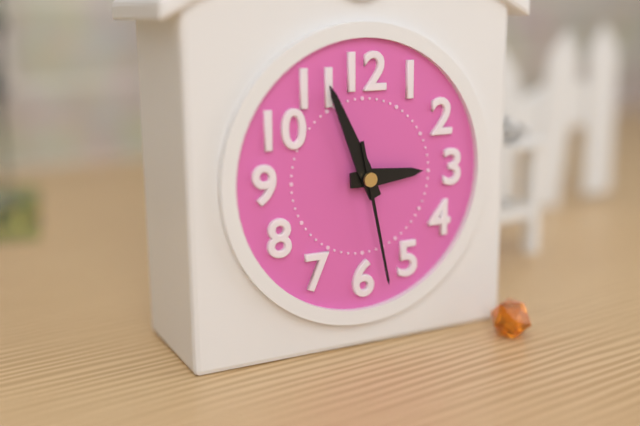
2:56:28
